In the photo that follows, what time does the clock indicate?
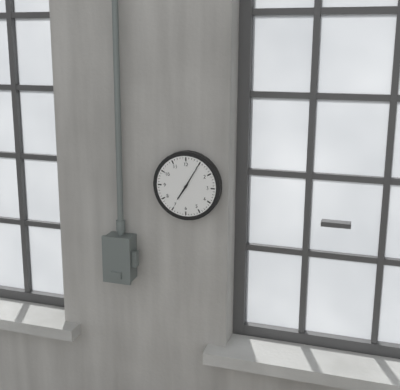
7:05
